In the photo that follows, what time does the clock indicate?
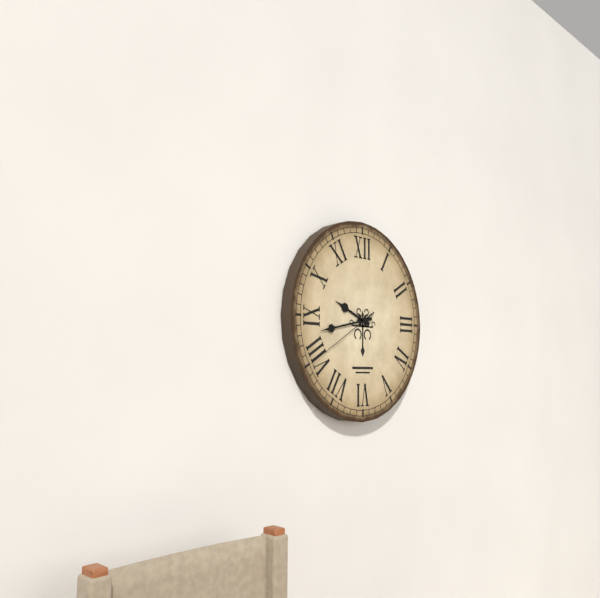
9:43:40
